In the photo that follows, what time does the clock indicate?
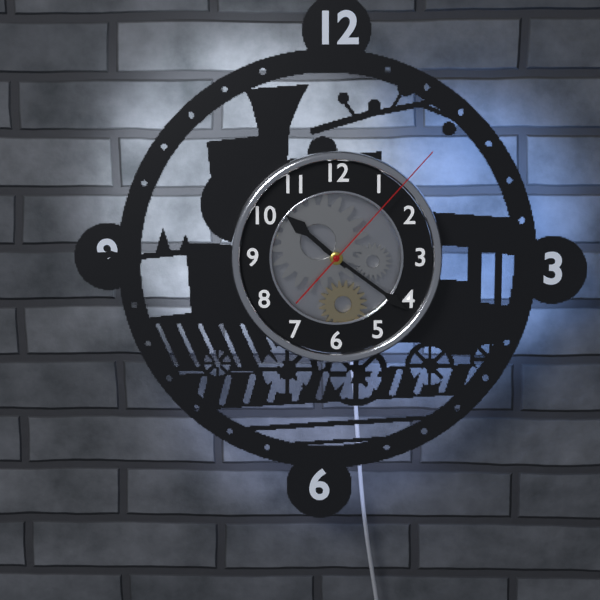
10:21:07
